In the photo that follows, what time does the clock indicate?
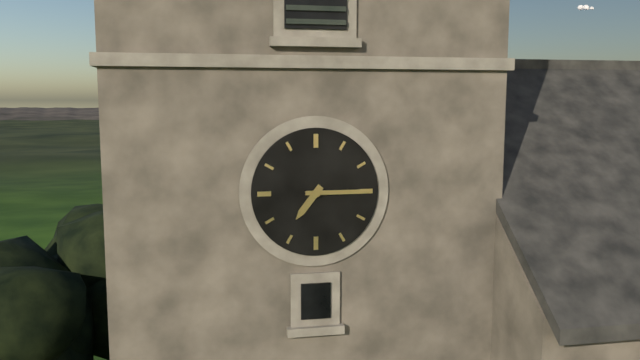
7:15
